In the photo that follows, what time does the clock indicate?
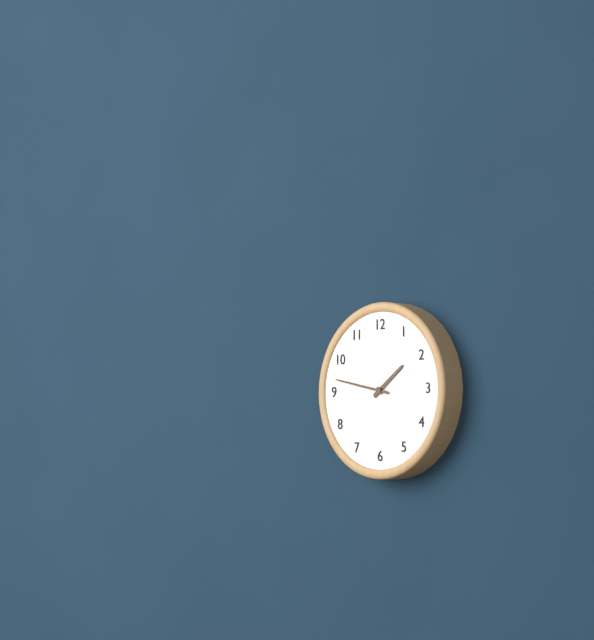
1:47
